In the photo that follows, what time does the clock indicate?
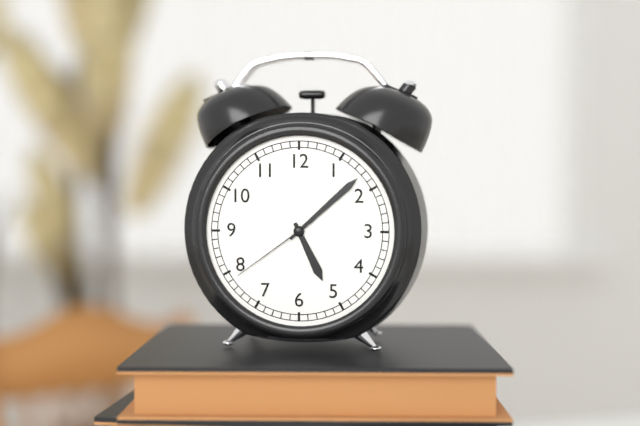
5:08:39
